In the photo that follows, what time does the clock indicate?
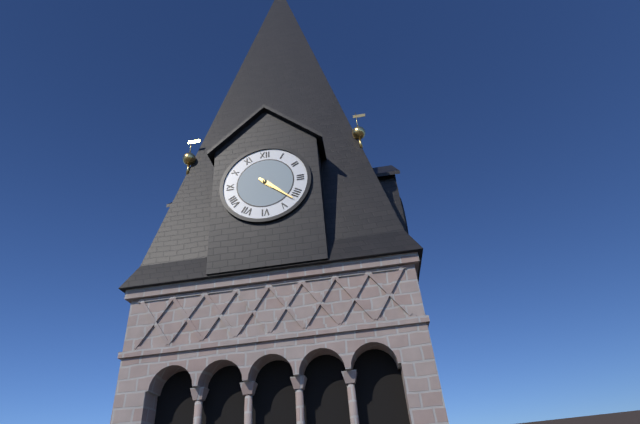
4:22
